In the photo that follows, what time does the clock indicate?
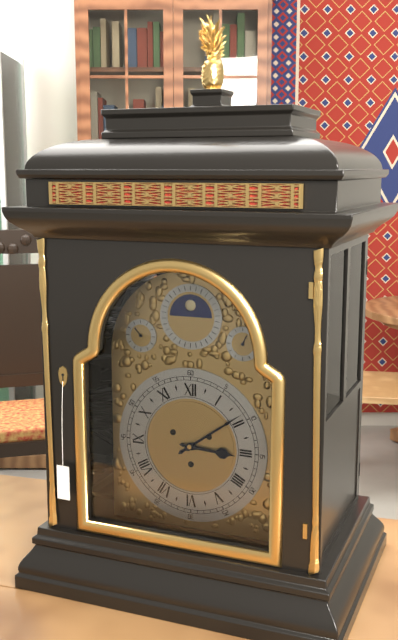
3:09
